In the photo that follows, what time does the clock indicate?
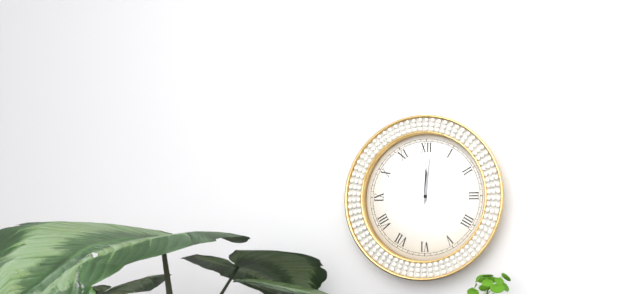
12:01
